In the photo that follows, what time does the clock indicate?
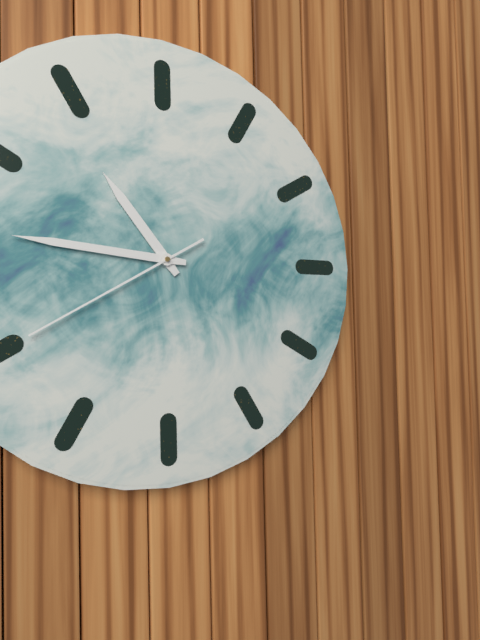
10:46:40
